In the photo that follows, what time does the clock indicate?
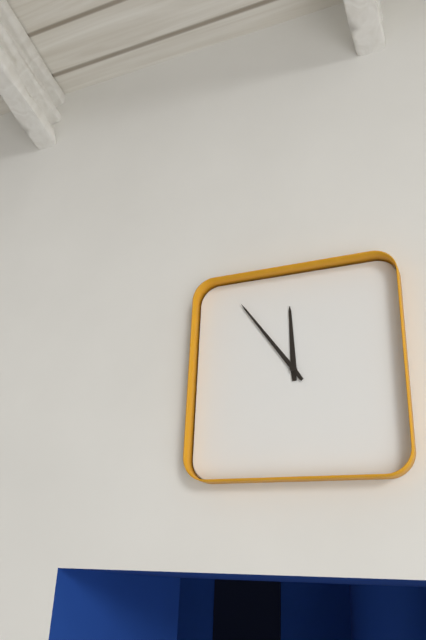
11:54
